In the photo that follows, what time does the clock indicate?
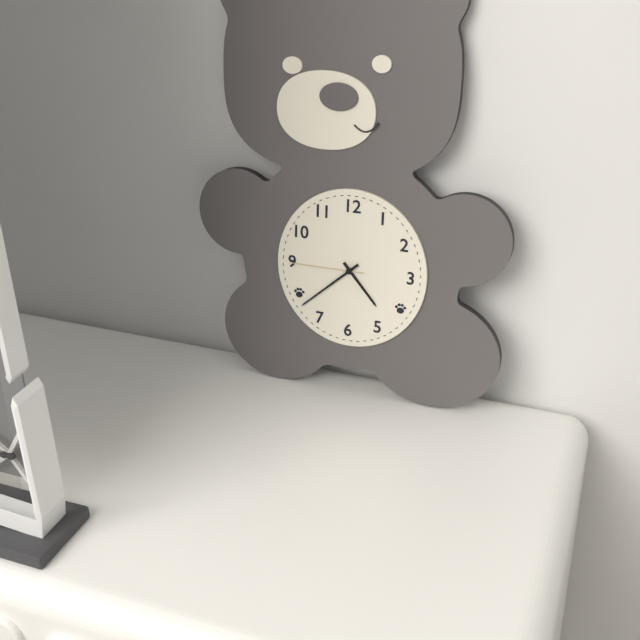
4:38:45
